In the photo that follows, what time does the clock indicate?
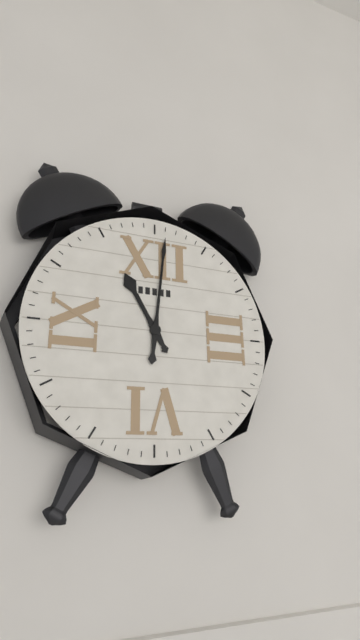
11:01
